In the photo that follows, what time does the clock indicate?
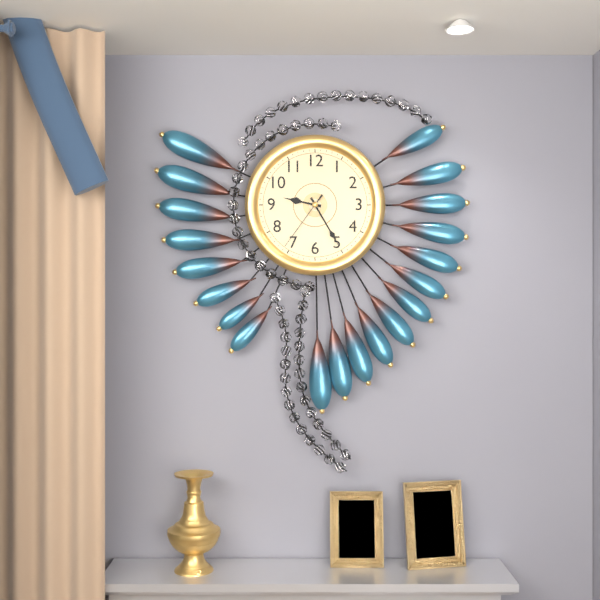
9:25:36
